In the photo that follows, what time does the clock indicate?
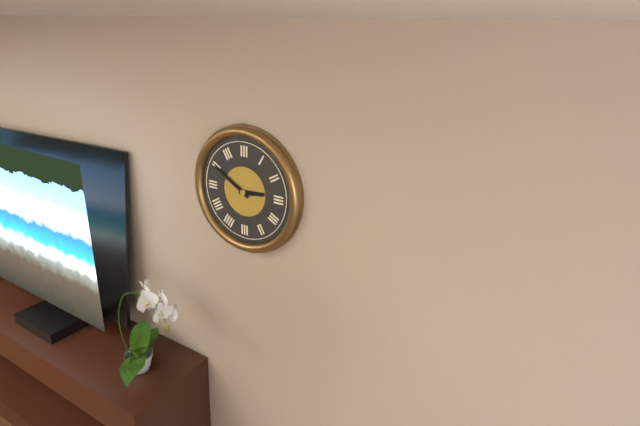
2:50
